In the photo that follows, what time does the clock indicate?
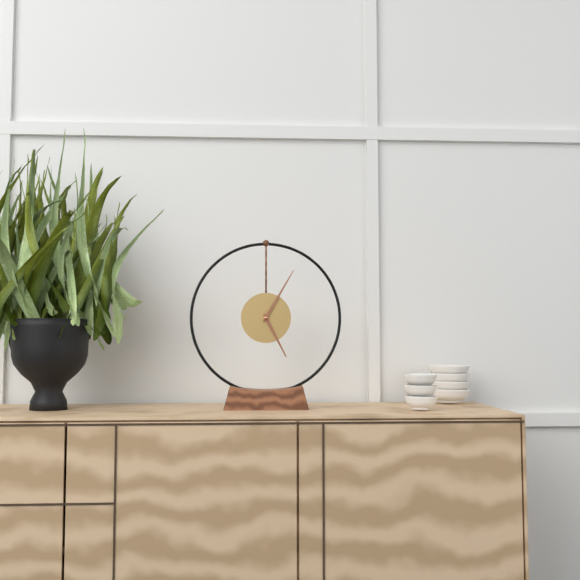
5:05
